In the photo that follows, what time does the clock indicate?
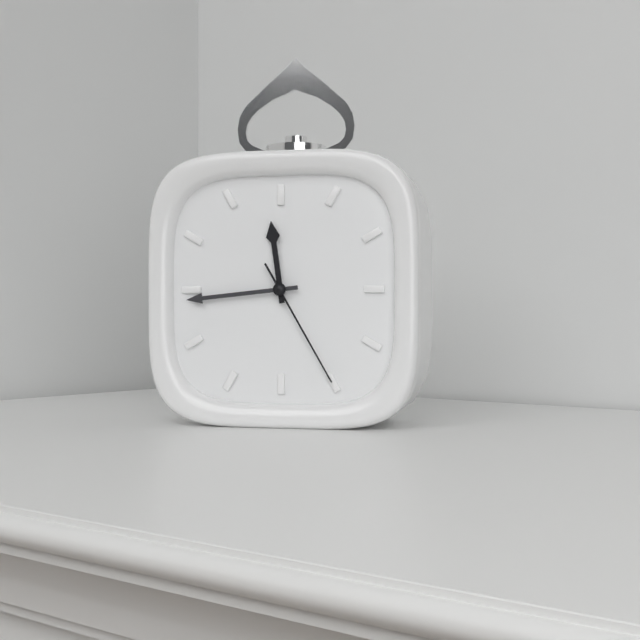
11:44:25
